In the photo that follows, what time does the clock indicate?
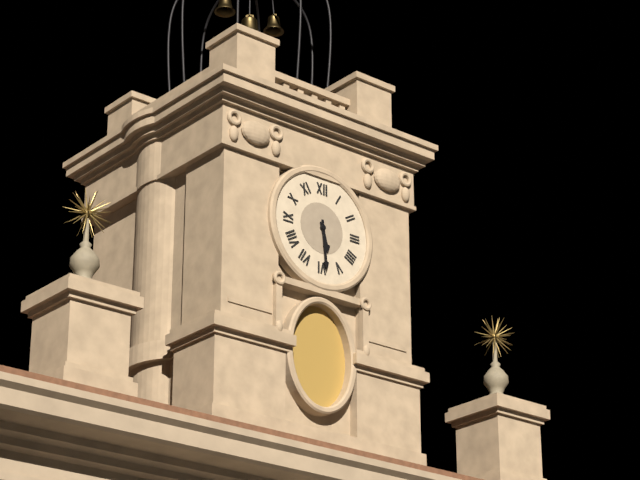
5:29
